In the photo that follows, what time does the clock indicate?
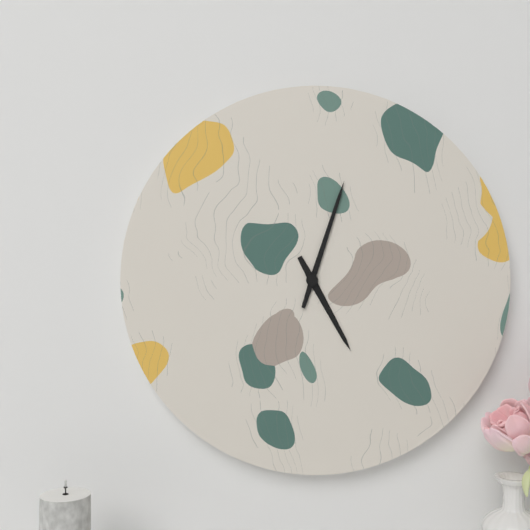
5:03
